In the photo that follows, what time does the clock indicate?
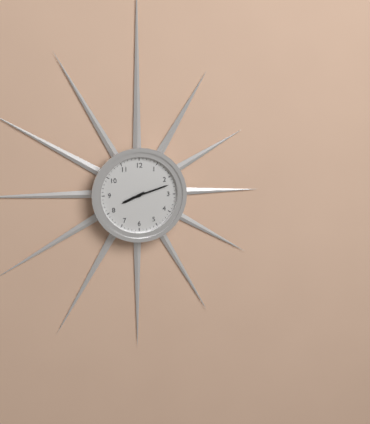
8:12
